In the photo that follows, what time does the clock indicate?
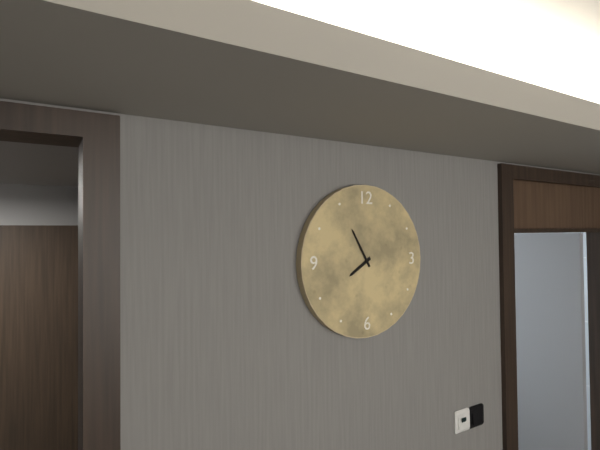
7:55
